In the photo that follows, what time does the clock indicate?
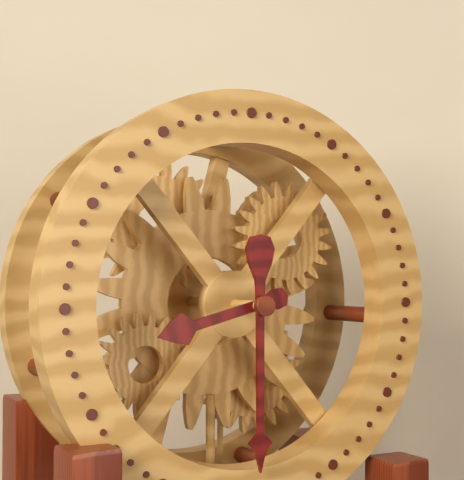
8:30
